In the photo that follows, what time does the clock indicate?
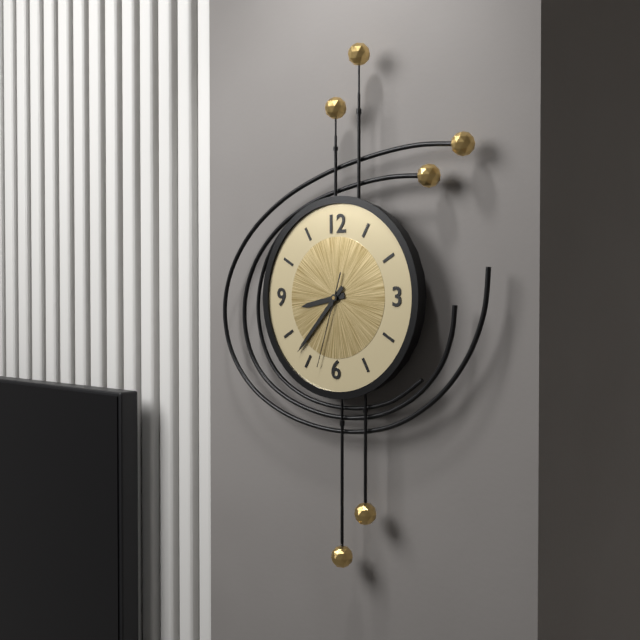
8:37:33
